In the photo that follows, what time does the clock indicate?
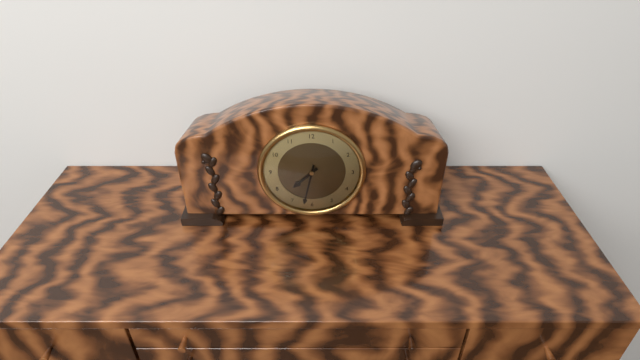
7:32
